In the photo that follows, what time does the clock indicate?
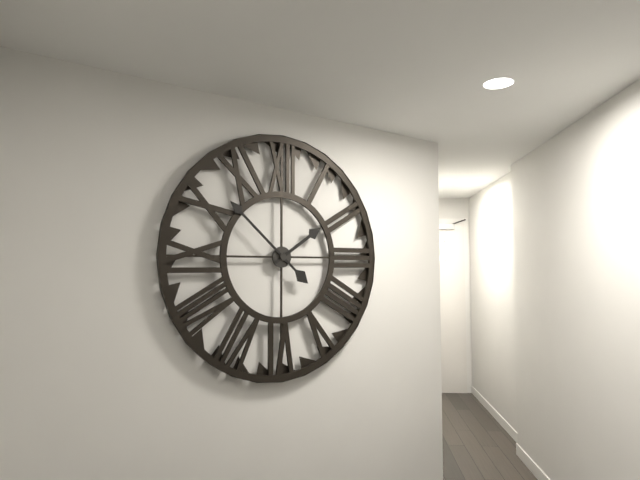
1:52
